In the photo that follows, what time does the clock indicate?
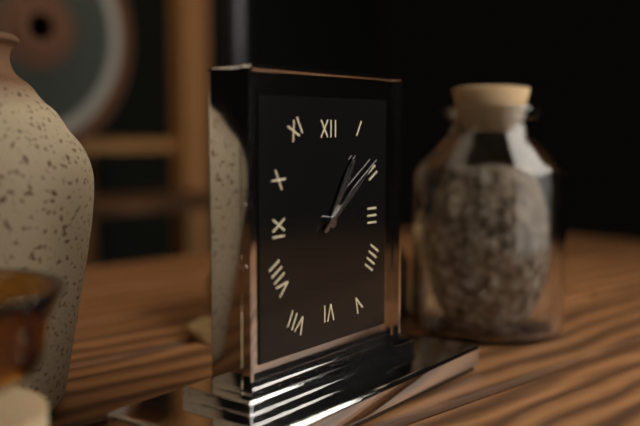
1:09
